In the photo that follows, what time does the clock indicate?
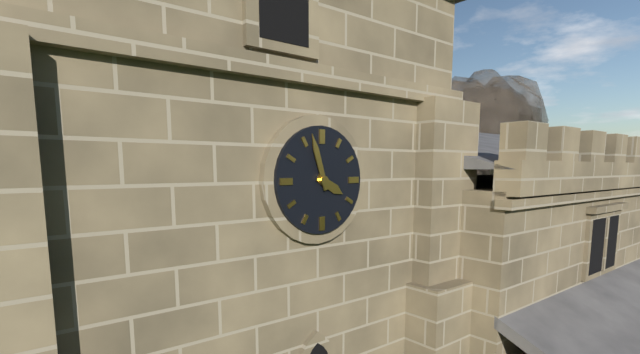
3:57
